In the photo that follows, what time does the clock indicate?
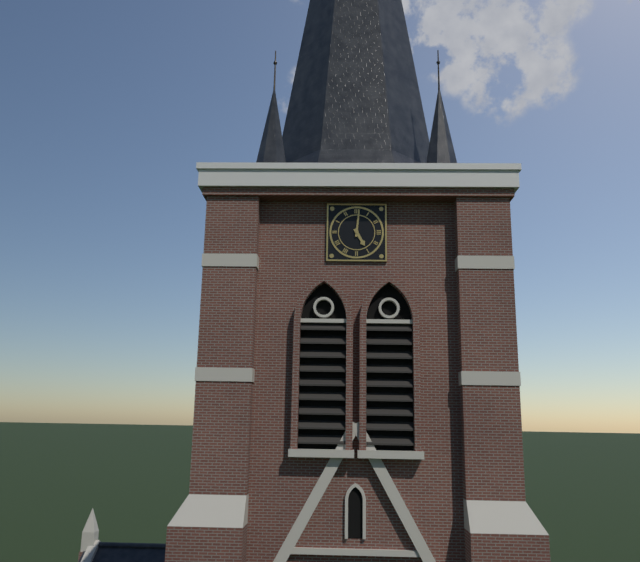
5:01
